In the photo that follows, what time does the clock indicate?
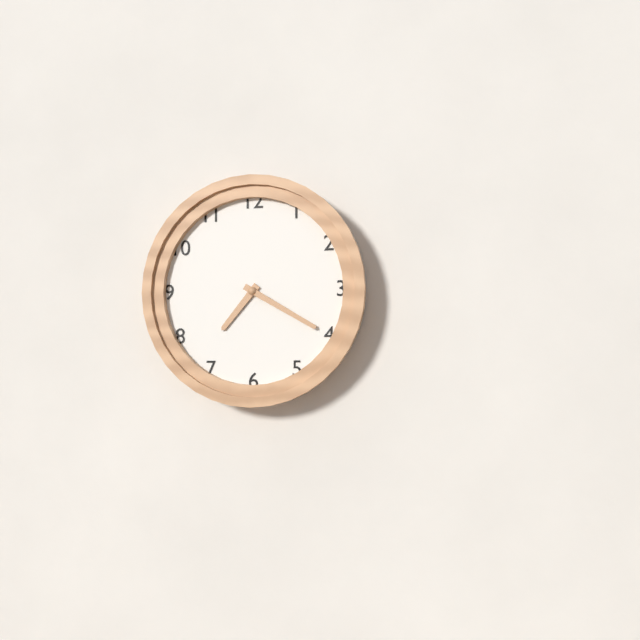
7:20
